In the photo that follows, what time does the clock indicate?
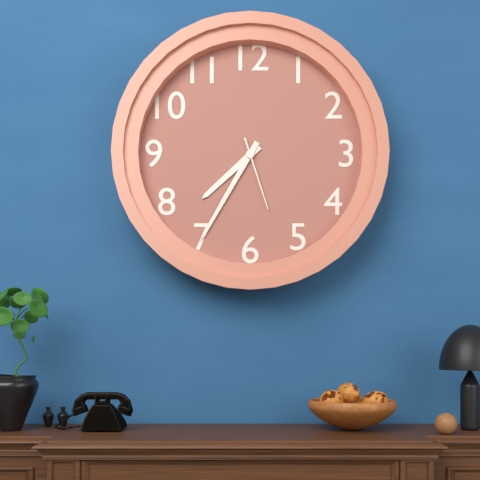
7:35:27
